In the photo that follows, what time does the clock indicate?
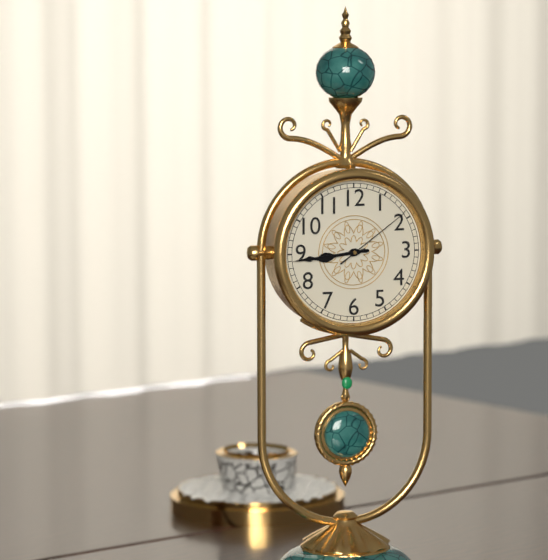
8:44:09
